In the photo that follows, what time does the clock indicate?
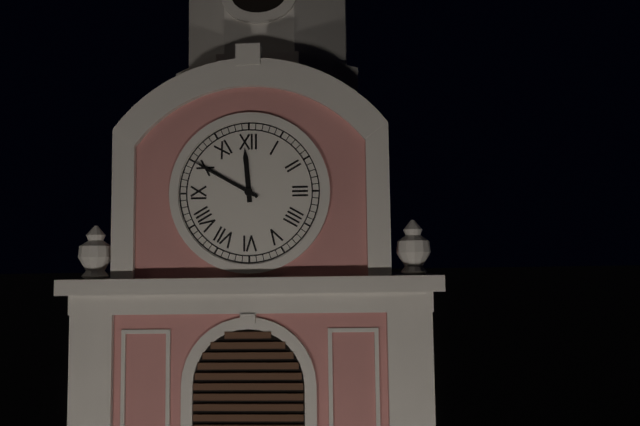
11:50
